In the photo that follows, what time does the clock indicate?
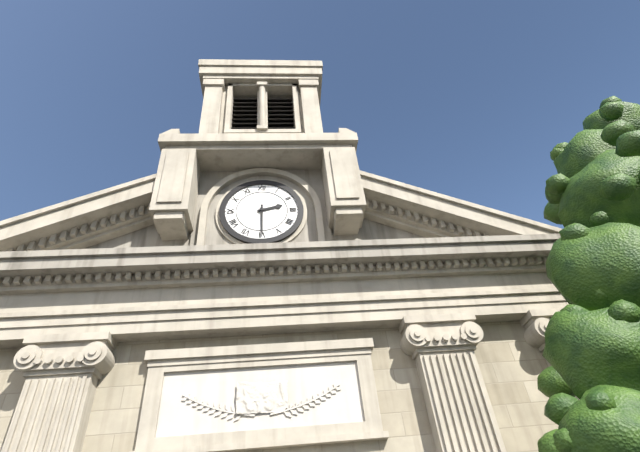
2:30
